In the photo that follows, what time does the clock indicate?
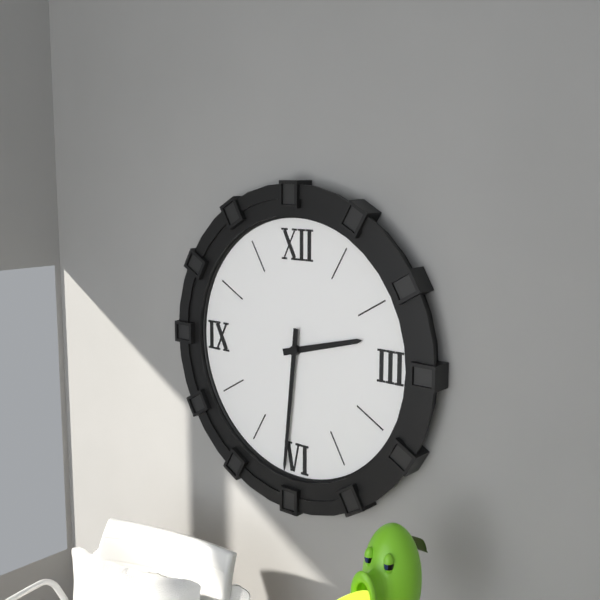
2:31
